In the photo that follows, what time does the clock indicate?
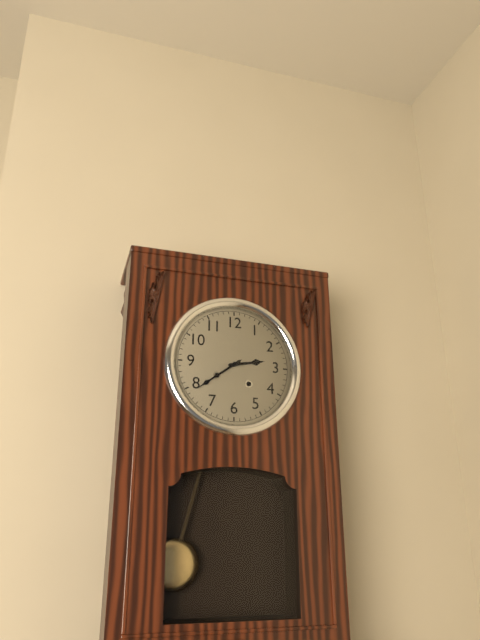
2:39
